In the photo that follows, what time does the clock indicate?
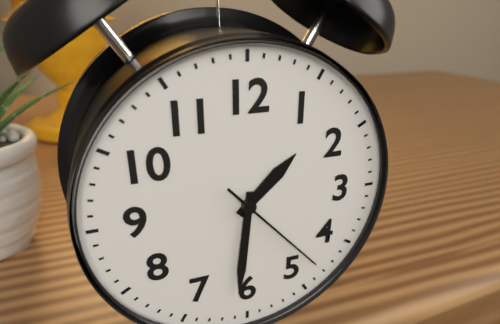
1:31:23
